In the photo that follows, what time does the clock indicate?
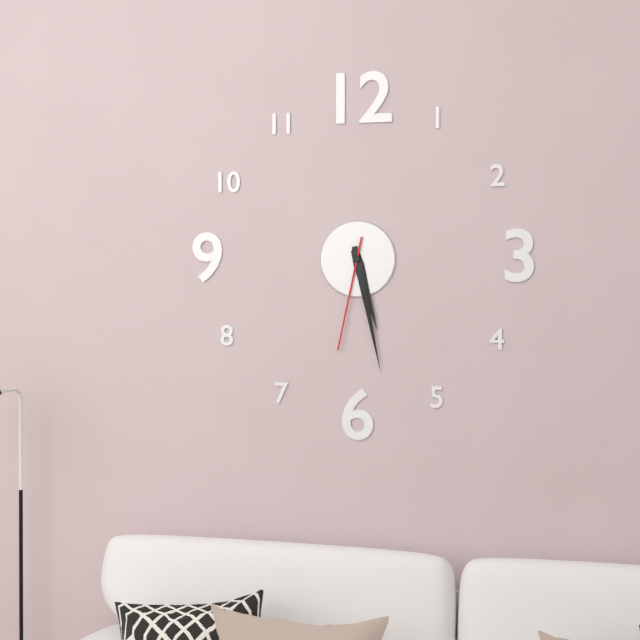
5:28:32
